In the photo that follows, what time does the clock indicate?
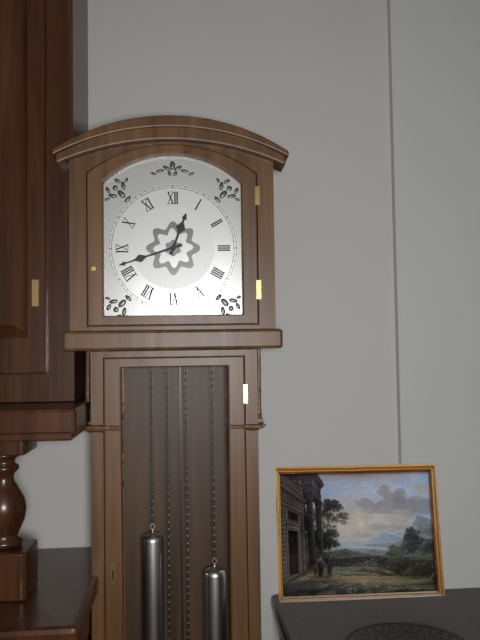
12:42
